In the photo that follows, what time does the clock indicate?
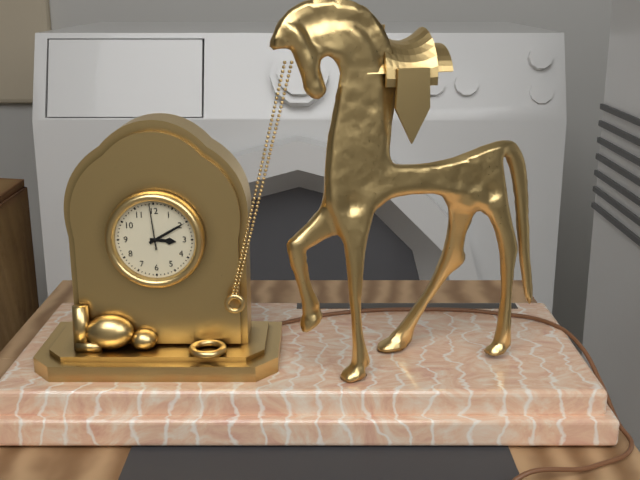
3:10
